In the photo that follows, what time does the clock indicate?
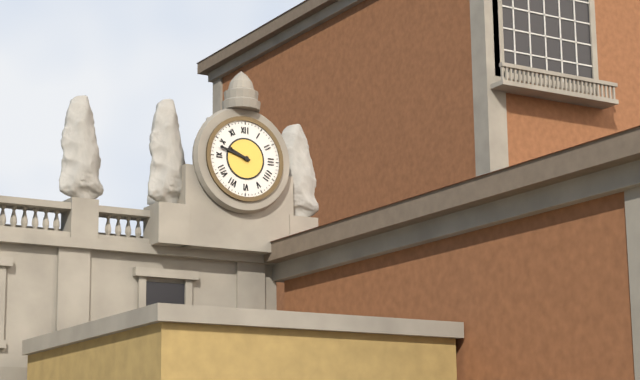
9:48
